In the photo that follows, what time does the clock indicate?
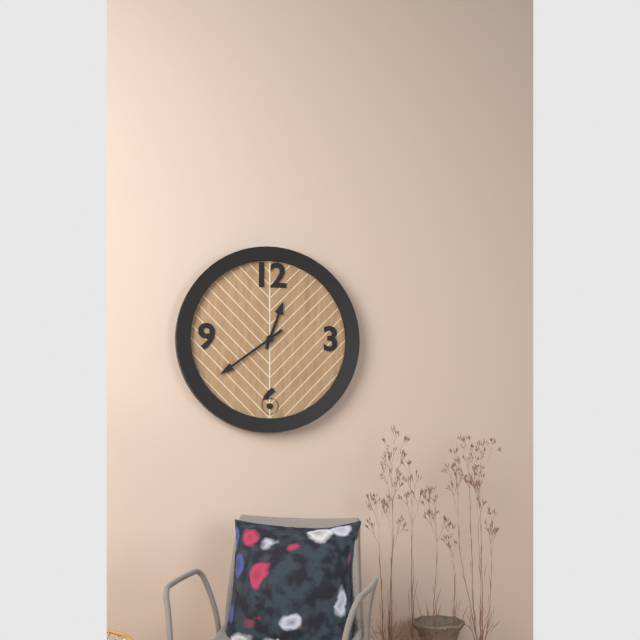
12:39
